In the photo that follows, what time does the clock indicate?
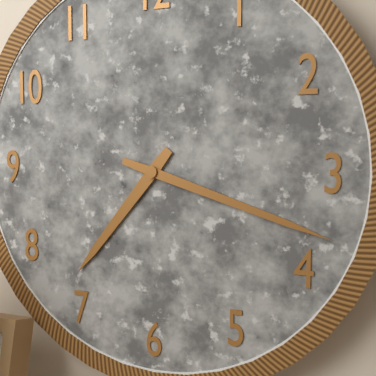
7:18
